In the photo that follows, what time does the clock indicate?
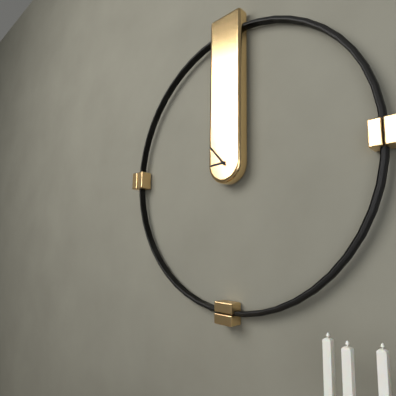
8:53
